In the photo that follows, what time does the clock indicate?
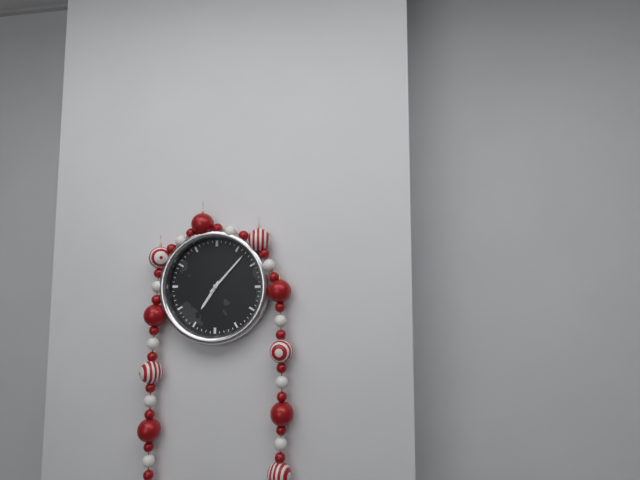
7:07
